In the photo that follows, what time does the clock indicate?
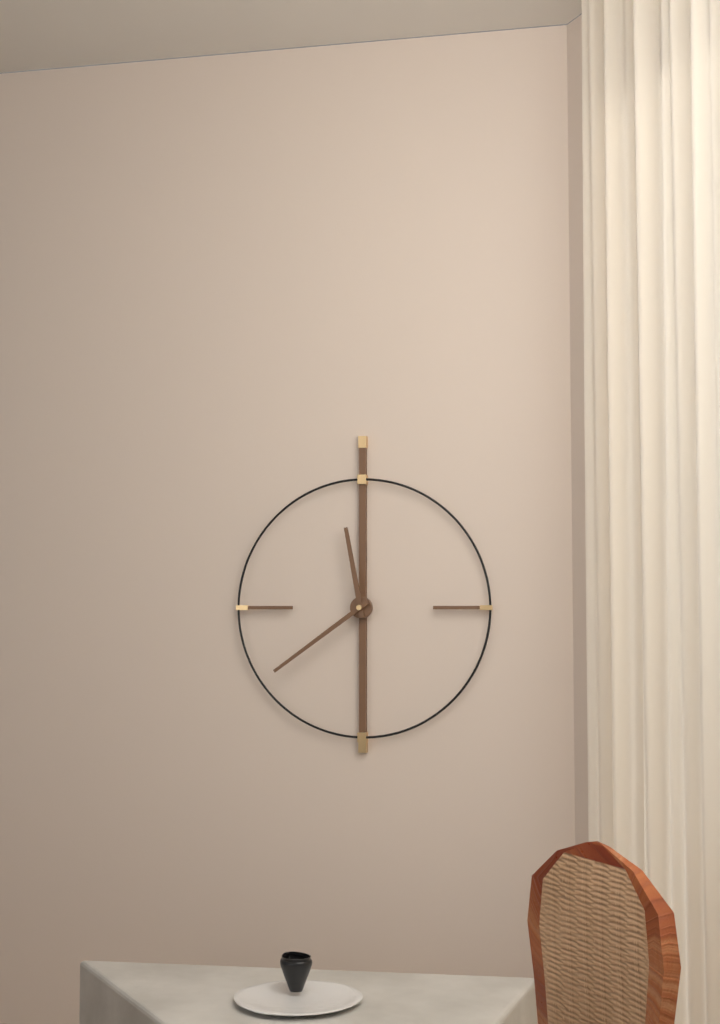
11:39
